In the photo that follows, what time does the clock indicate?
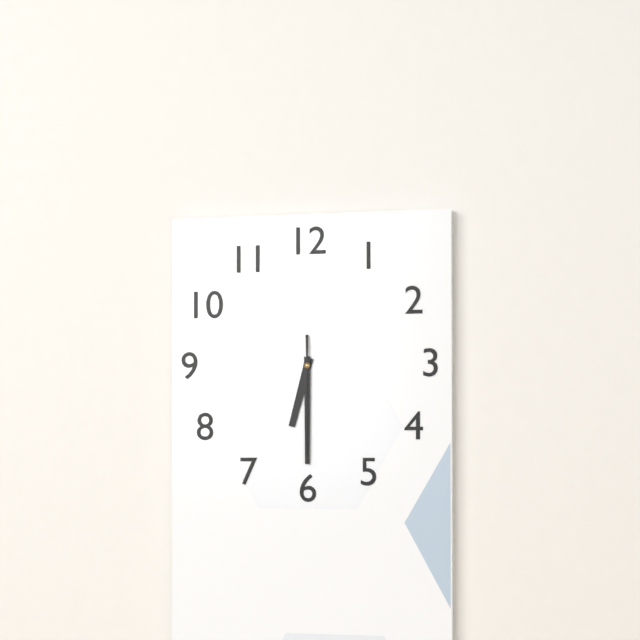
6:30:30
